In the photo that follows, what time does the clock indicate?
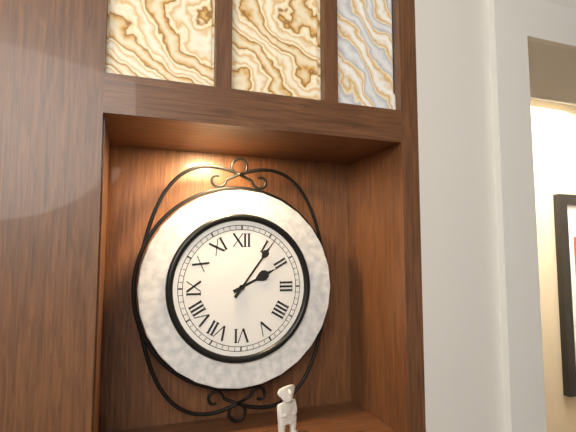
2:06
